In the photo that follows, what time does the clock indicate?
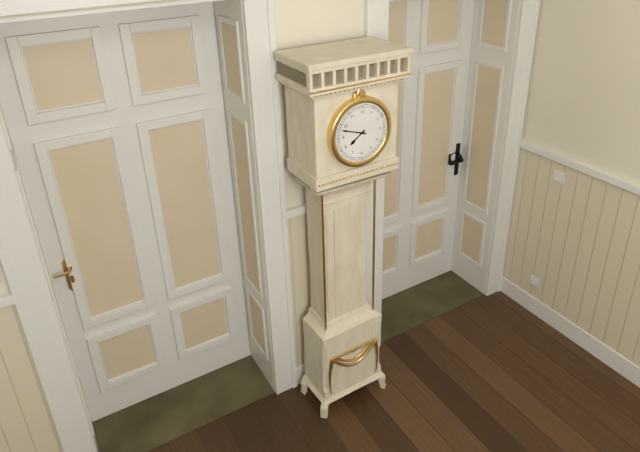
7:48
